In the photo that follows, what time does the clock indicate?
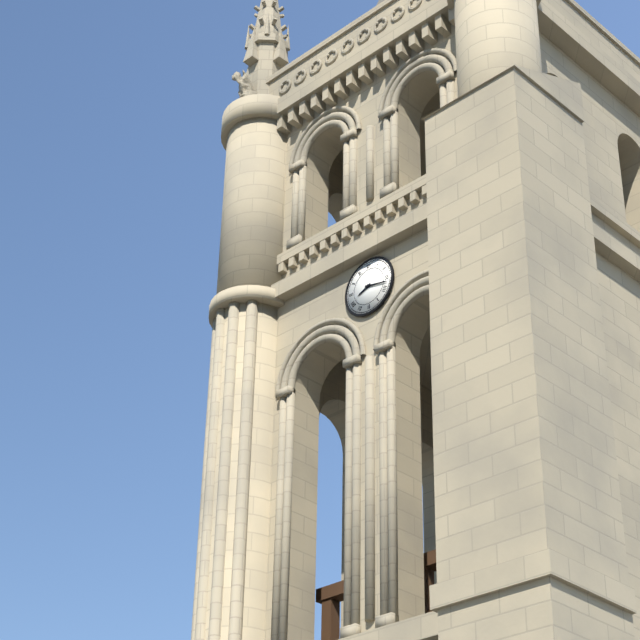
8:17
